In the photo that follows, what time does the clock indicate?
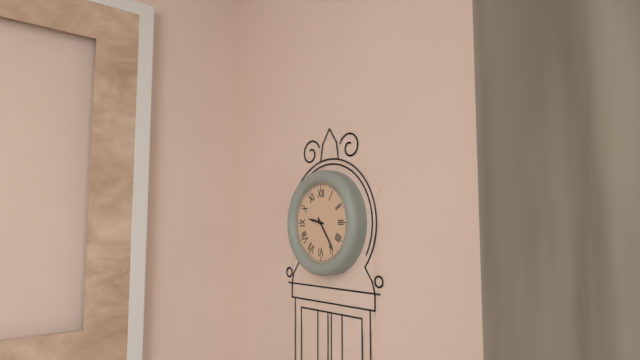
9:24
